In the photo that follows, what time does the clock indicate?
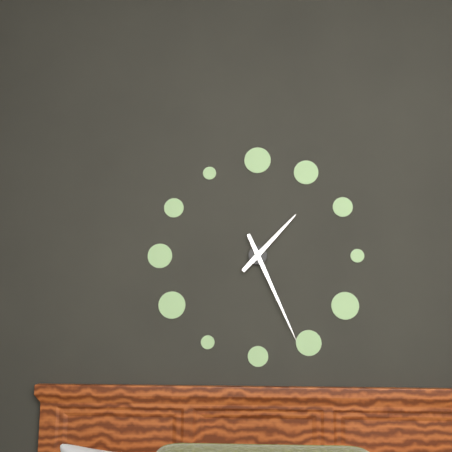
1:26
